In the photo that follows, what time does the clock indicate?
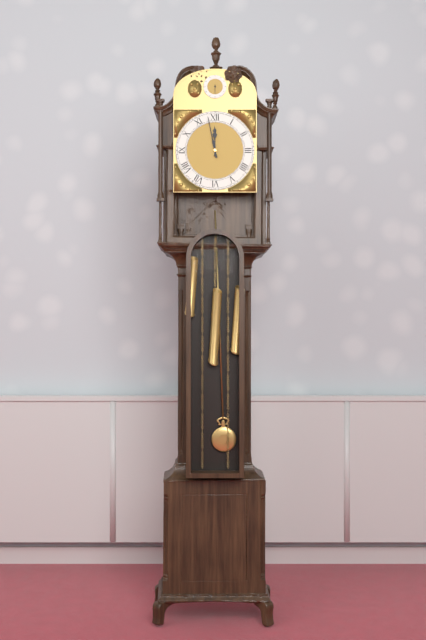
11:58
